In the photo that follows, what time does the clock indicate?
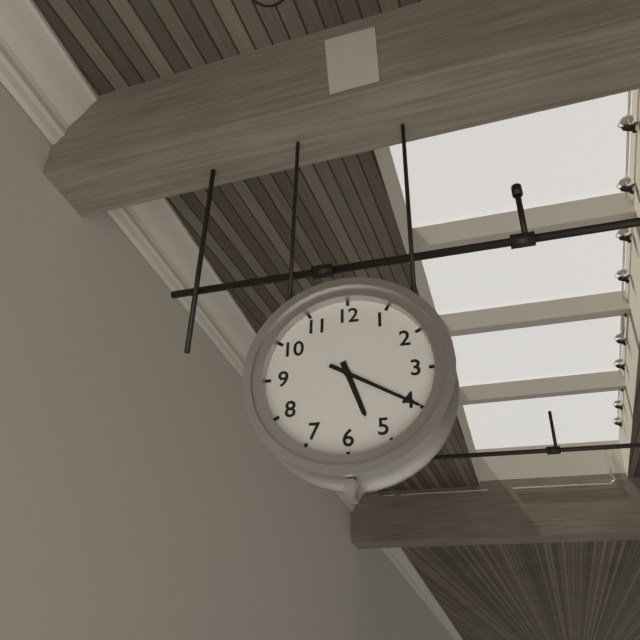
5:20
